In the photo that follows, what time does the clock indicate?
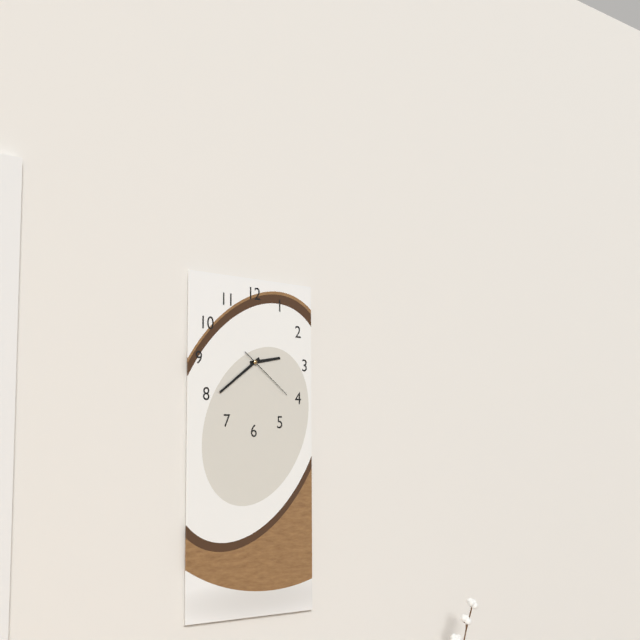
2:39:21
